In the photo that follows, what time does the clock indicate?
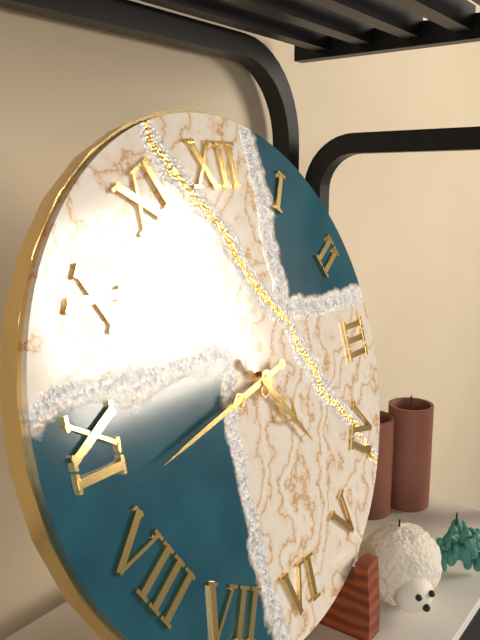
4:43
